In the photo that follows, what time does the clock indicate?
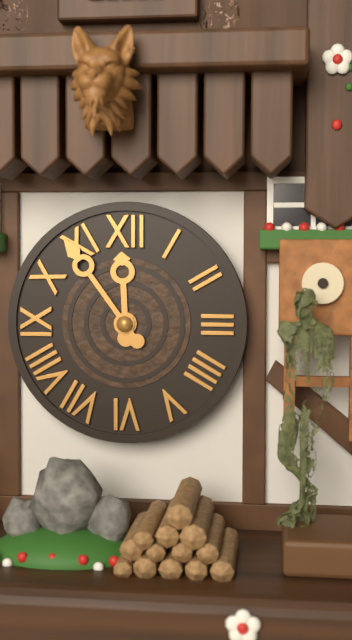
11:54
